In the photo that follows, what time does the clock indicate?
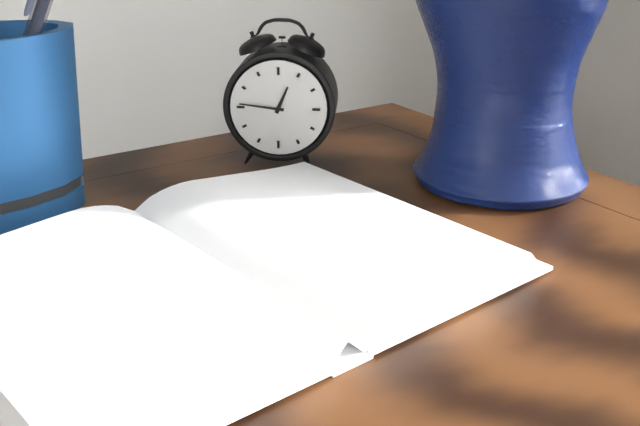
12:46
